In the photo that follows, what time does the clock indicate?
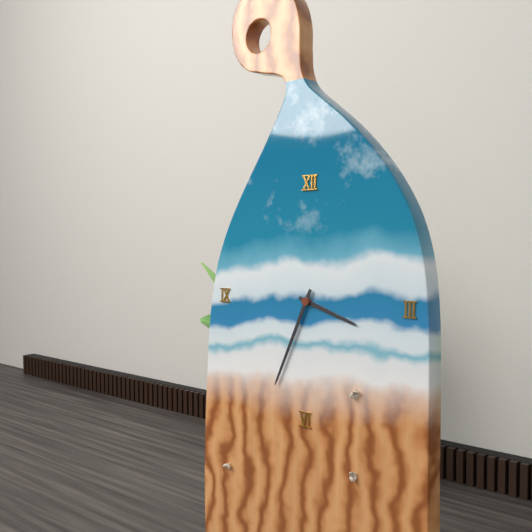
3:34
